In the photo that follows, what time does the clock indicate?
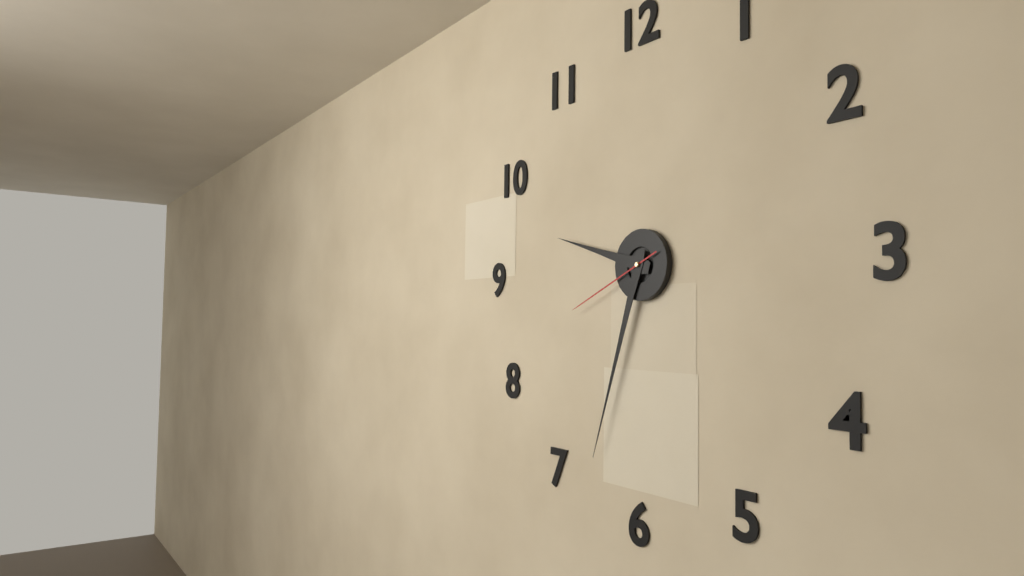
9:33:41
